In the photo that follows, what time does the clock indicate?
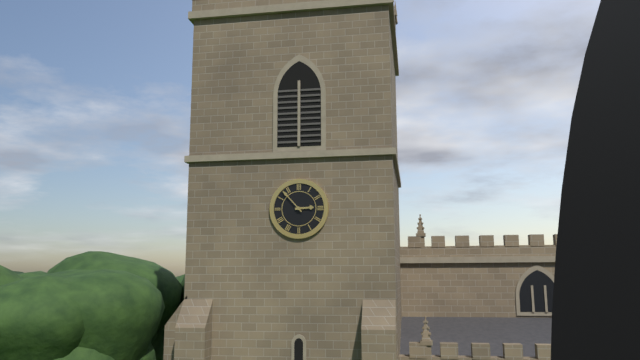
2:53
